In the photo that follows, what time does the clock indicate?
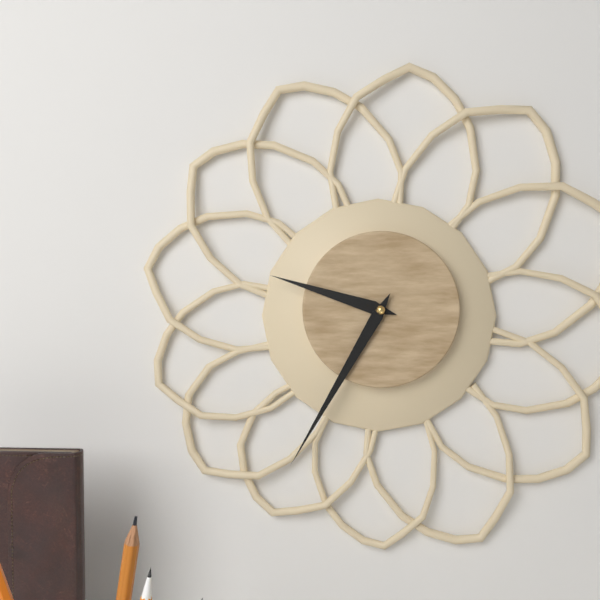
9:35
